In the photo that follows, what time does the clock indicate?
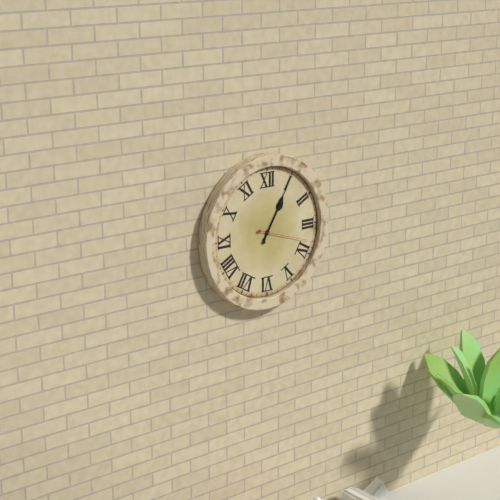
1:05:18
